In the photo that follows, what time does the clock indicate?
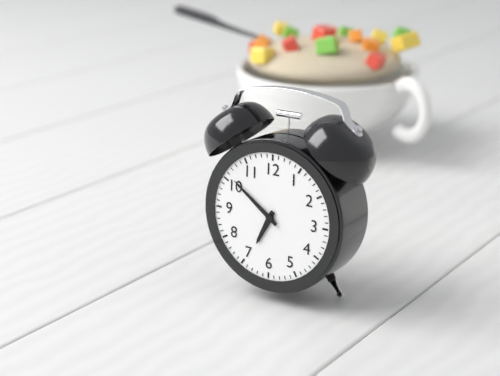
6:51
